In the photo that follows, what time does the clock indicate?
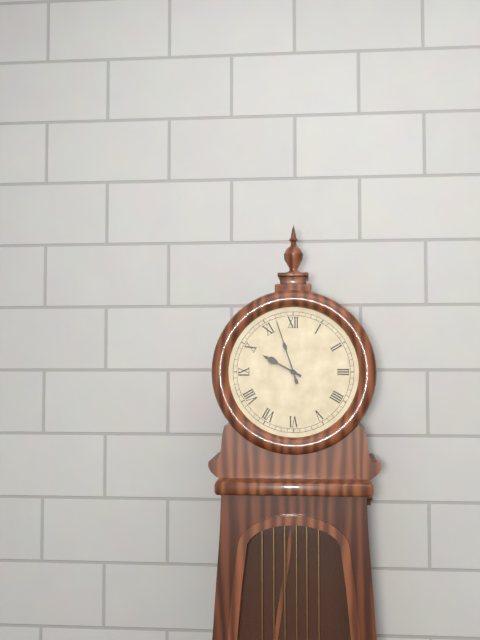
9:57
